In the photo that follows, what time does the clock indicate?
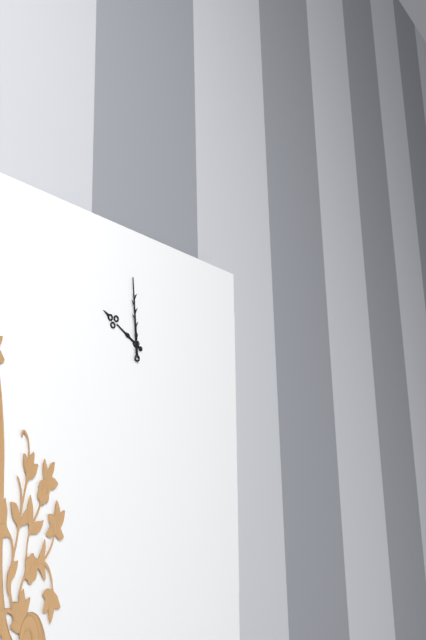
9:59
